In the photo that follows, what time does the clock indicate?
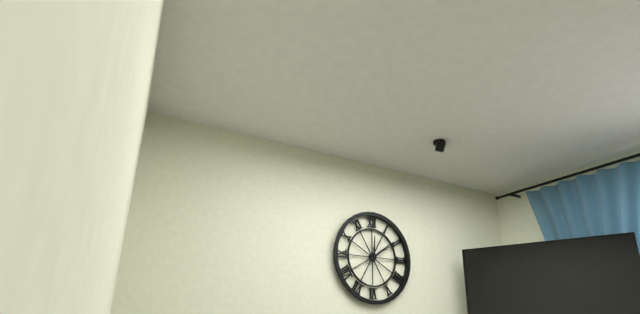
12:09
